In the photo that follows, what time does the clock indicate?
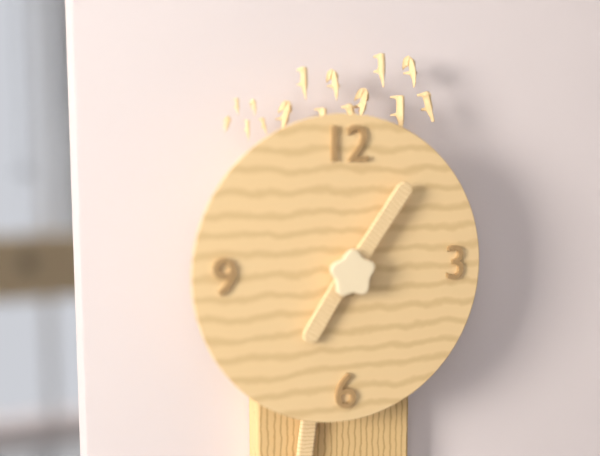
7:06
